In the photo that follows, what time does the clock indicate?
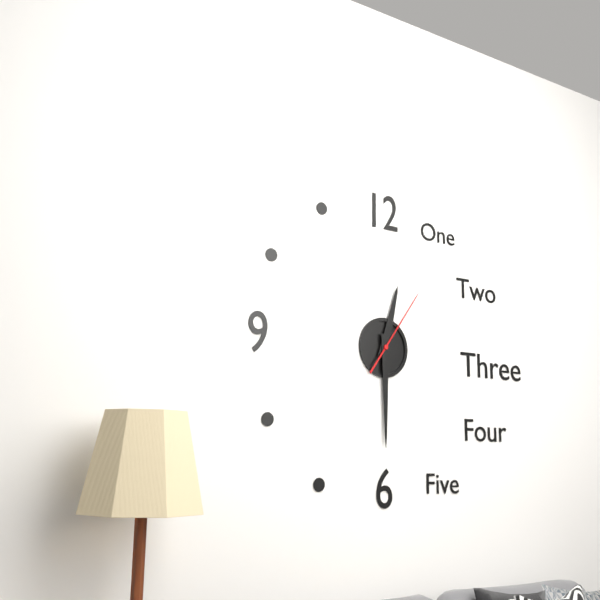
12:30:06
